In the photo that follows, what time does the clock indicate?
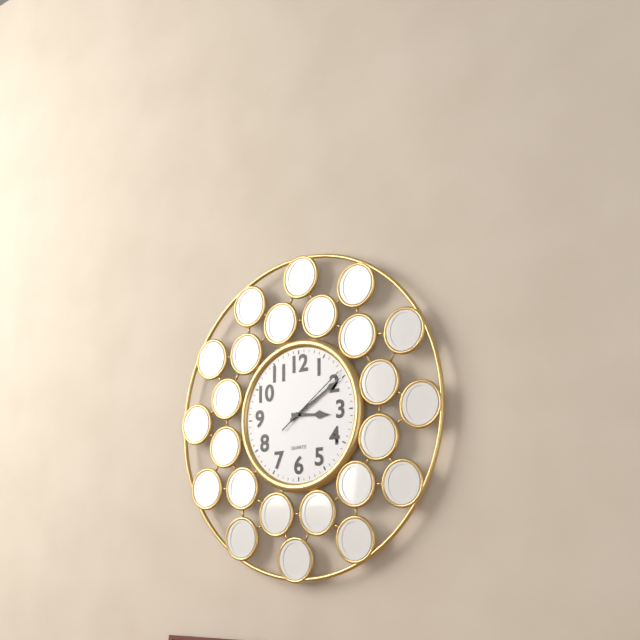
3:10:09
